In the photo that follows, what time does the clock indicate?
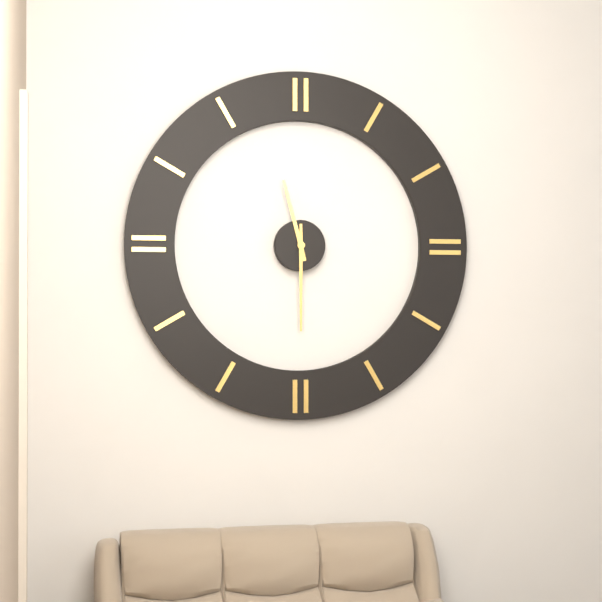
11:30
